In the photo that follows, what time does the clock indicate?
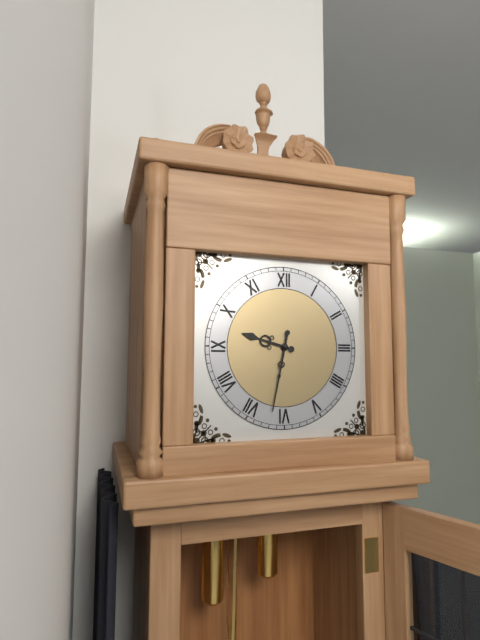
9:32
